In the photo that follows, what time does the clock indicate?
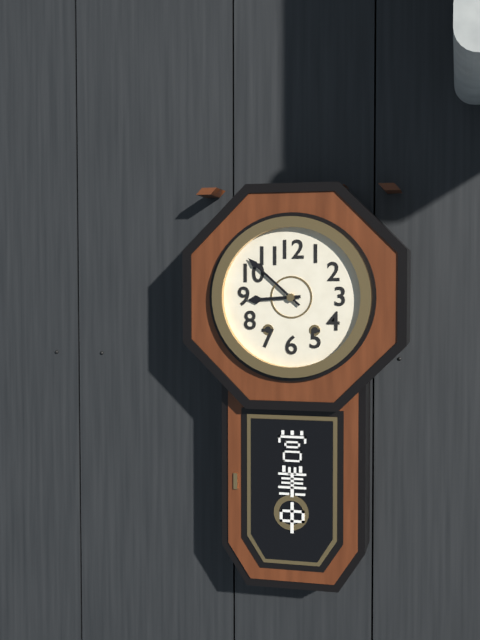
8:52
